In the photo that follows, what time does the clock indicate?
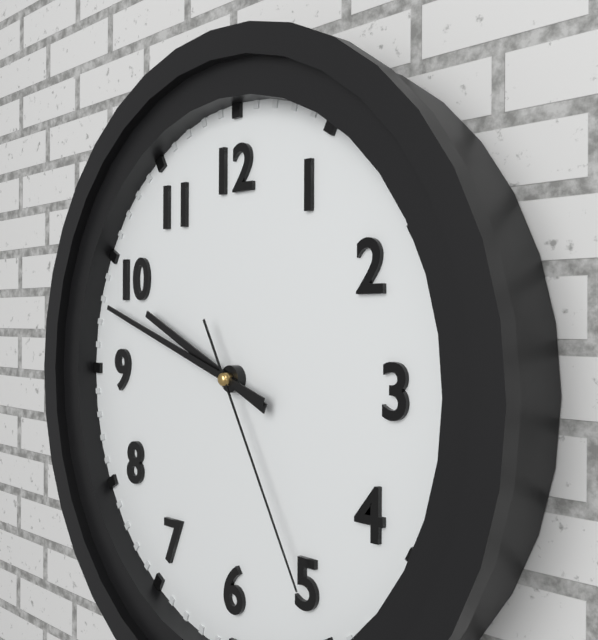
9:48:25
